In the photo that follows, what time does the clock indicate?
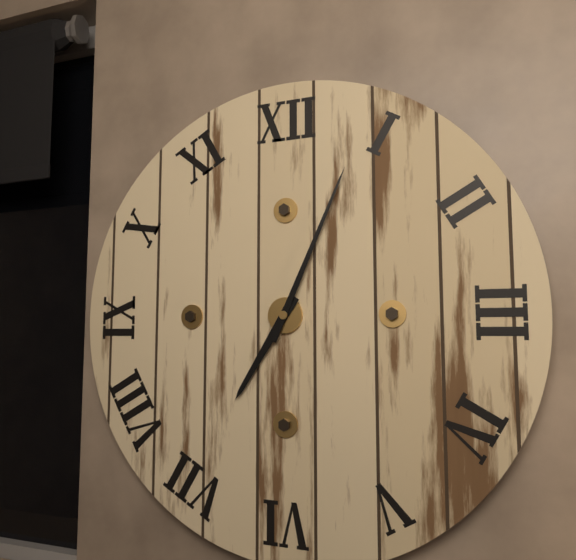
7:04
